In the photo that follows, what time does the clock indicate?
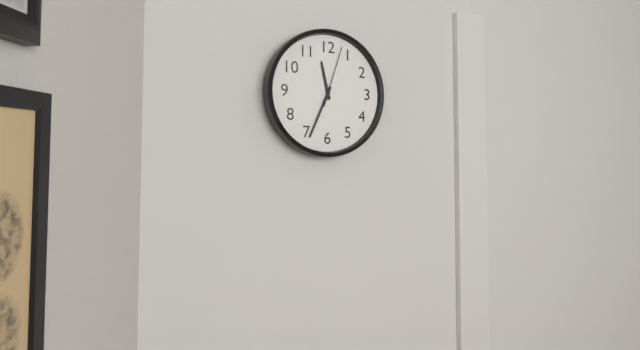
11:34:03
